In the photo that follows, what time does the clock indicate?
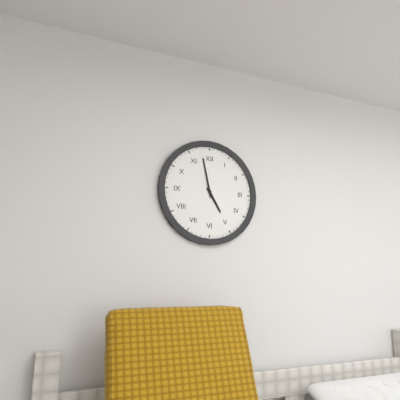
4:58
